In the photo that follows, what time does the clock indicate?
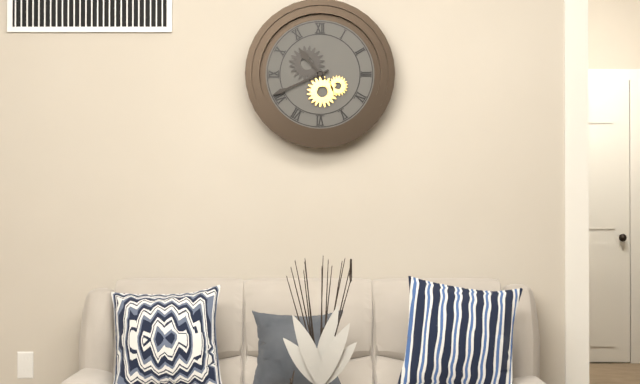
10:41
